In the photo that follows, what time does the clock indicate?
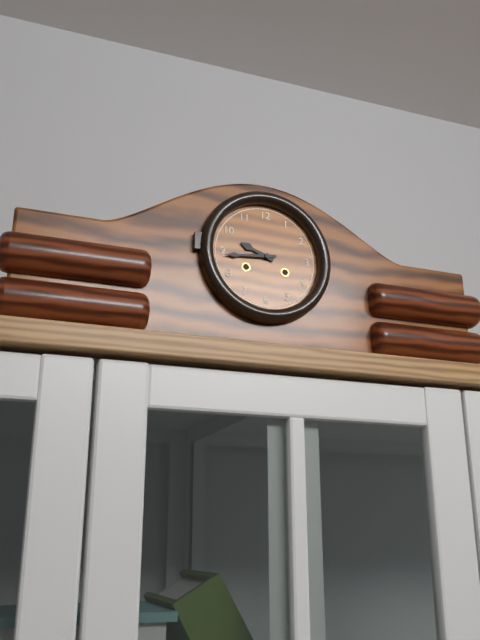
9:44
